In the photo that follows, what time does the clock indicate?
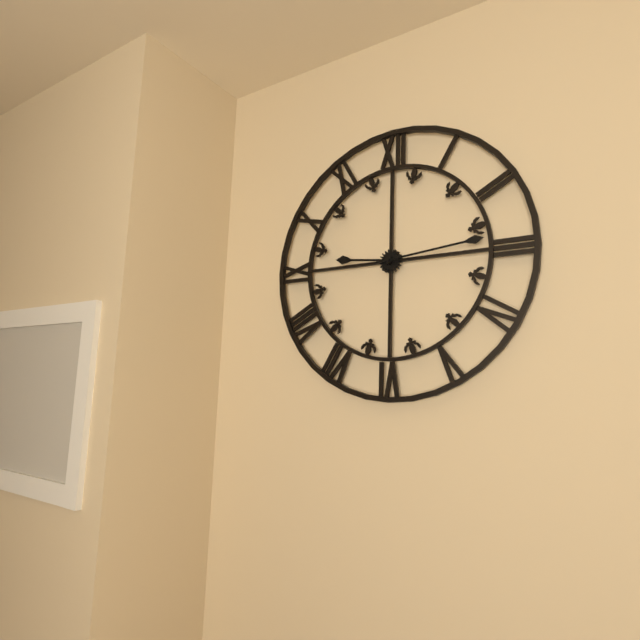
9:14
